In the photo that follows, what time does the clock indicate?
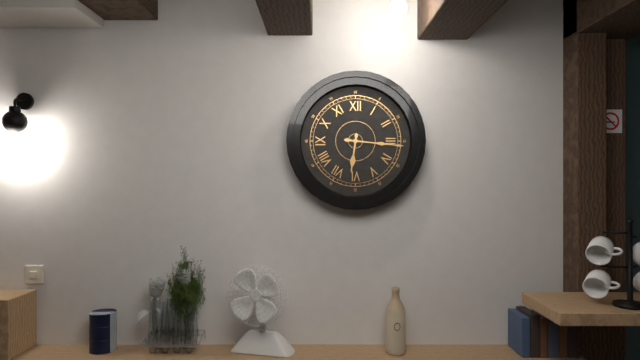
6:16
